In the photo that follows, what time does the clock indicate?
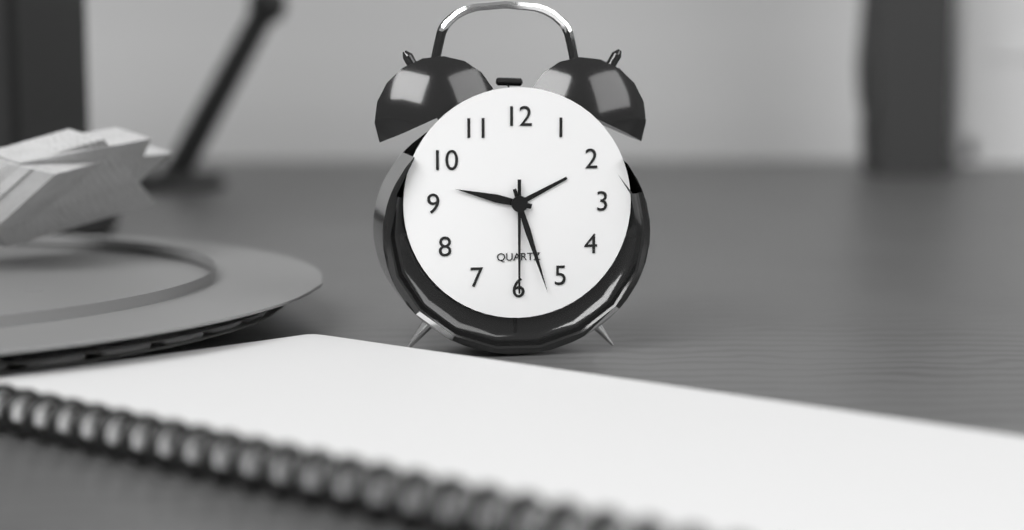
9:27:30
